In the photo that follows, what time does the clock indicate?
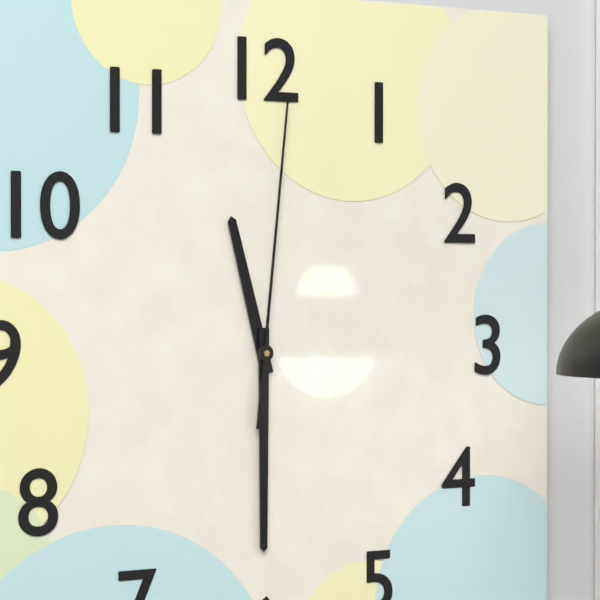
11:30:01
